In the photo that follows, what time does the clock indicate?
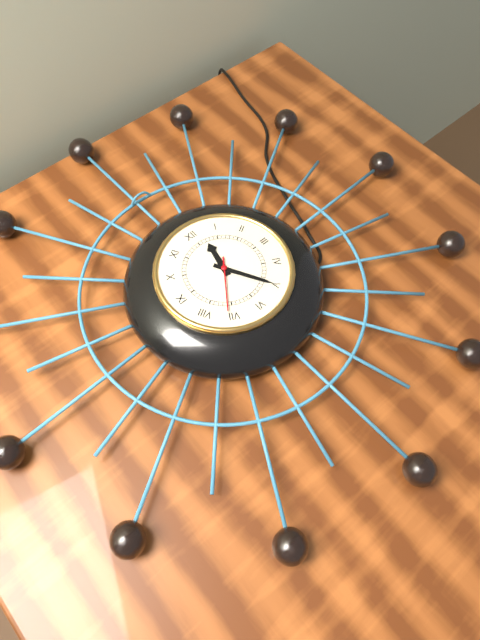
12:25:36
